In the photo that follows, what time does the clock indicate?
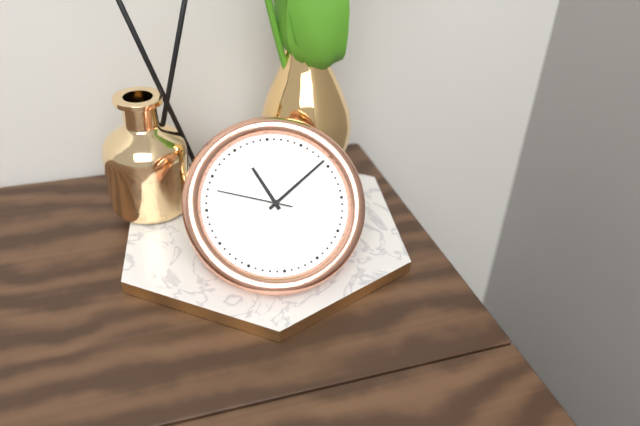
11:09:48
